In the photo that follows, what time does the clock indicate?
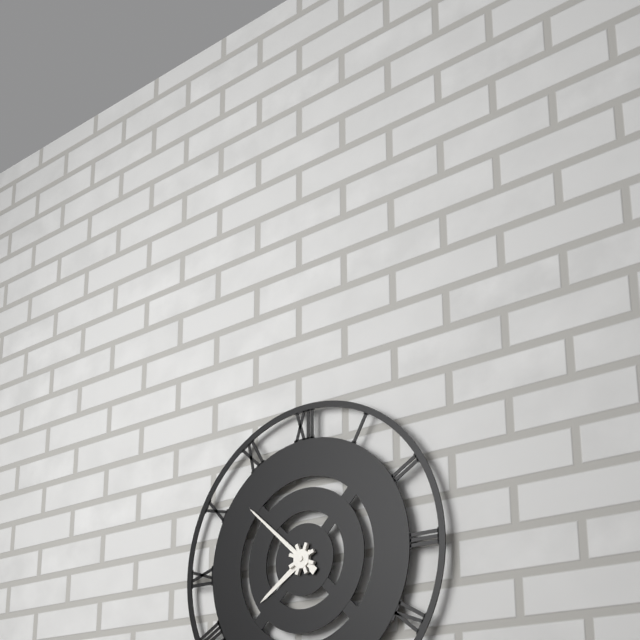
7:52
